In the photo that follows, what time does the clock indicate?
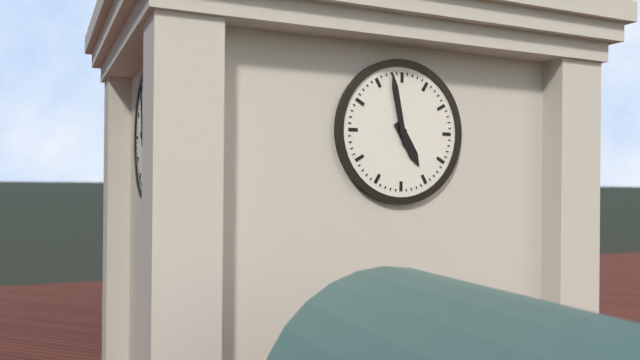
4:58
